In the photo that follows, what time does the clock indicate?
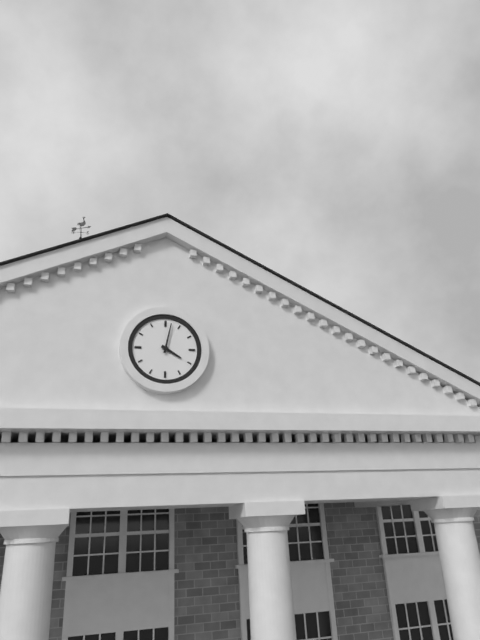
4:02
